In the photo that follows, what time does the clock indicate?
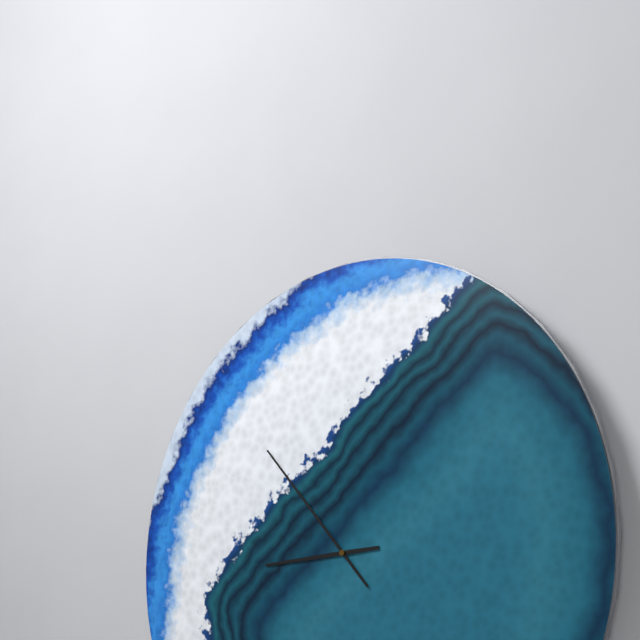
8:53
